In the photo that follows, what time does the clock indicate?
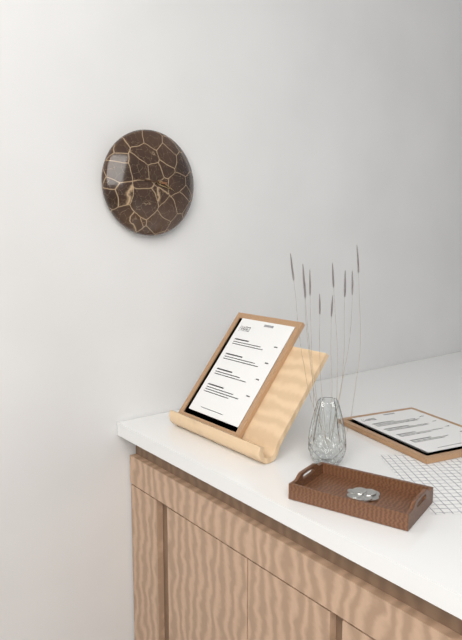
3:46
